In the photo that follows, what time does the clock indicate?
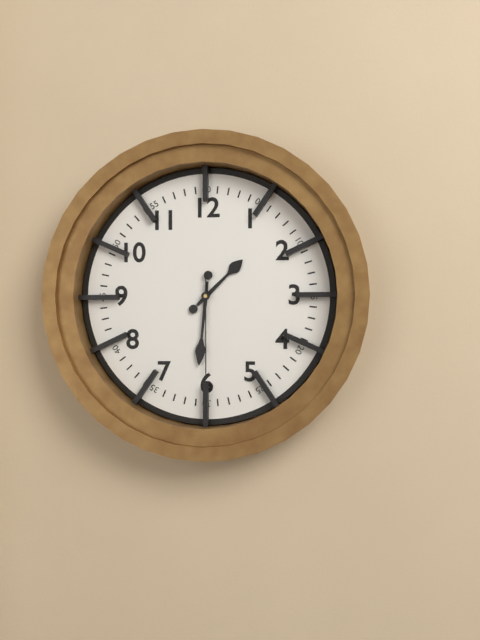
1:31:30
